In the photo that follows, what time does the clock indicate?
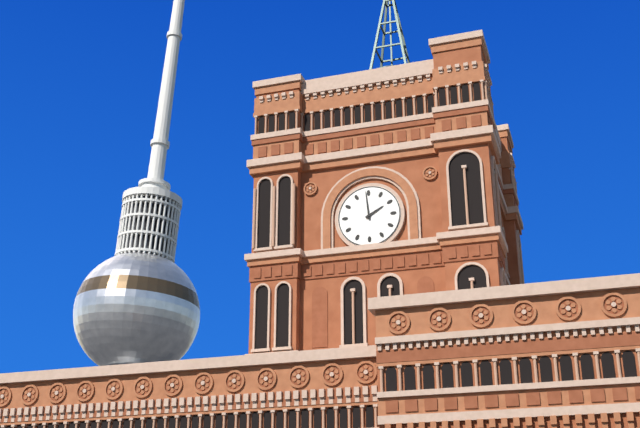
1:59
